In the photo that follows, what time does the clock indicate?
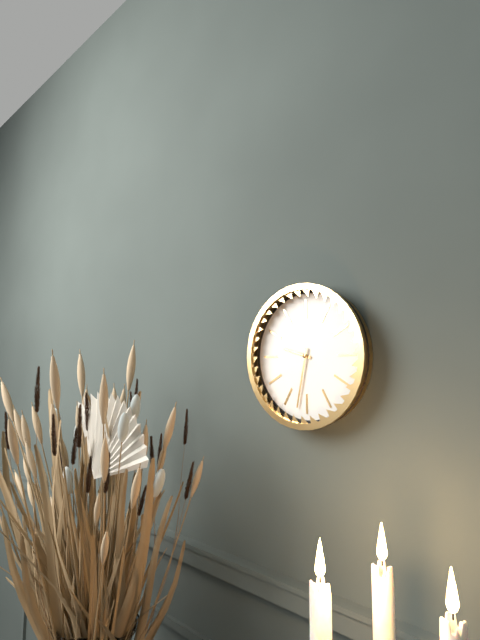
9:32
